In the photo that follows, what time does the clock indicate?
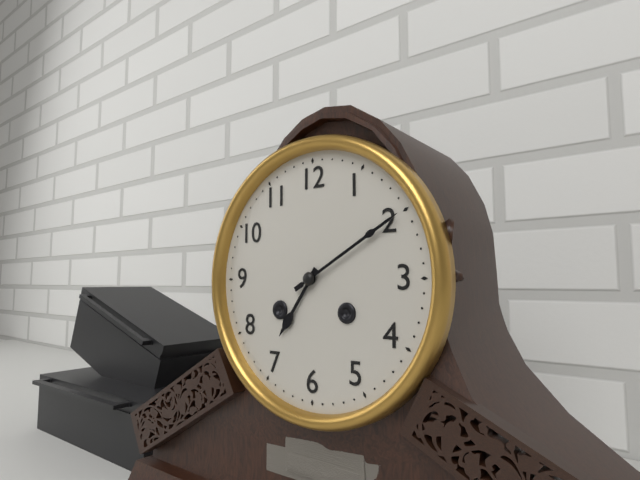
7:10
